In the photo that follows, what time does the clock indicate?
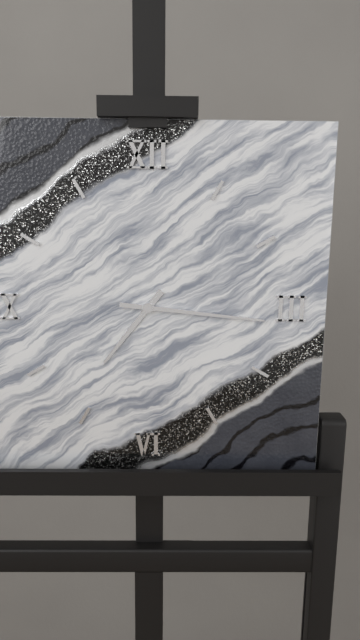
7:16
